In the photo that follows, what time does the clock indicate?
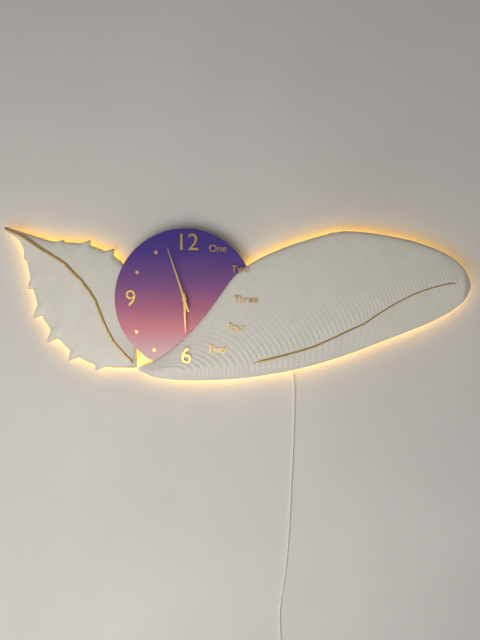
5:57
